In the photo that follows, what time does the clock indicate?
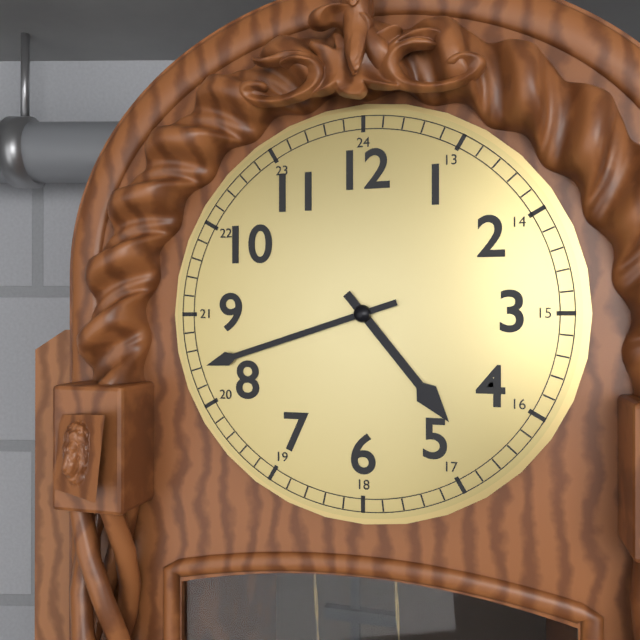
4:42
